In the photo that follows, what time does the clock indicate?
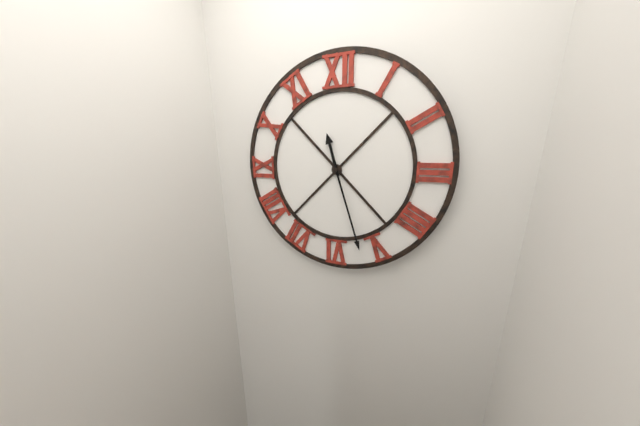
11:27
